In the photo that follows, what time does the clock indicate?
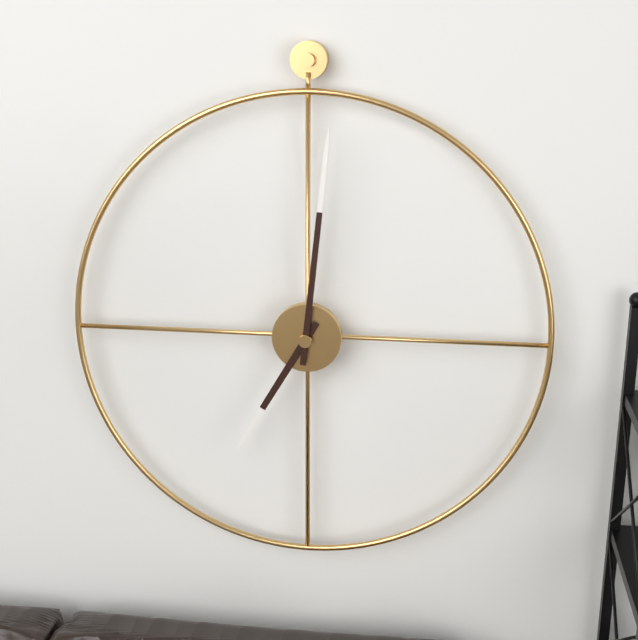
7:01
